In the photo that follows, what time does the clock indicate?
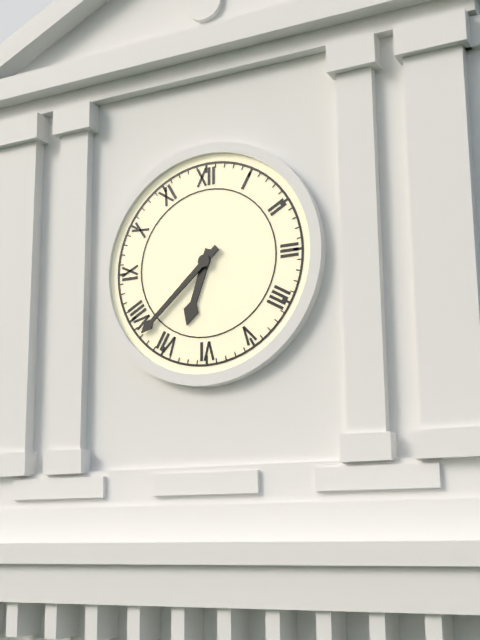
6:38
